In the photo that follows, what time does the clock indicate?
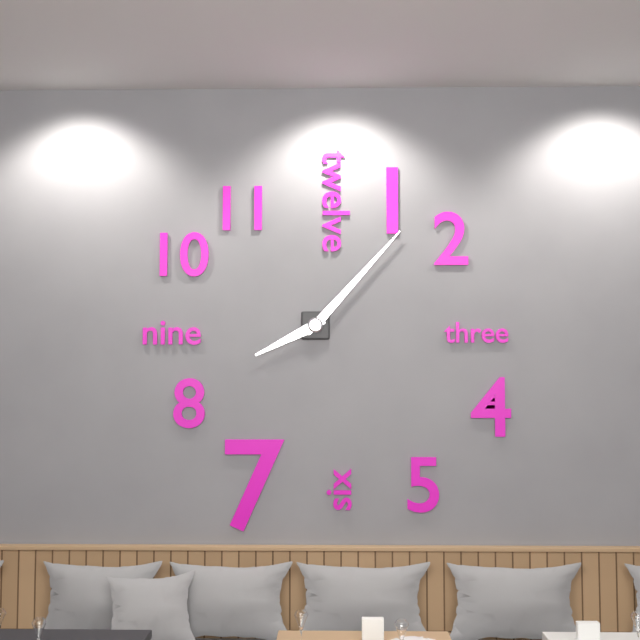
8:07
